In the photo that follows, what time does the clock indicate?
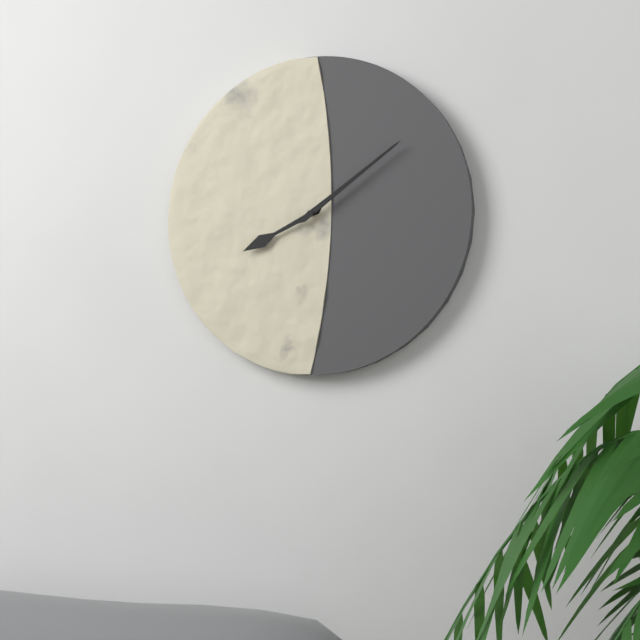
8:09
